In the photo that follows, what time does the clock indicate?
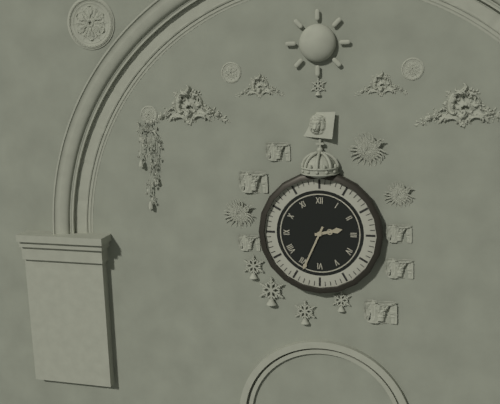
2:34
